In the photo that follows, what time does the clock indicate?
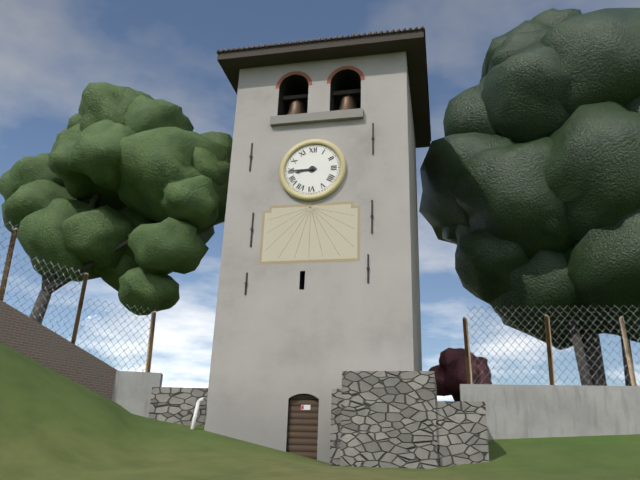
8:45
